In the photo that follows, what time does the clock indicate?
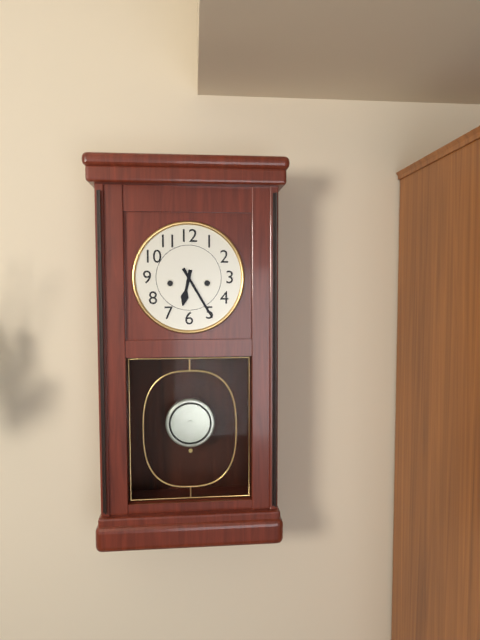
6:25
